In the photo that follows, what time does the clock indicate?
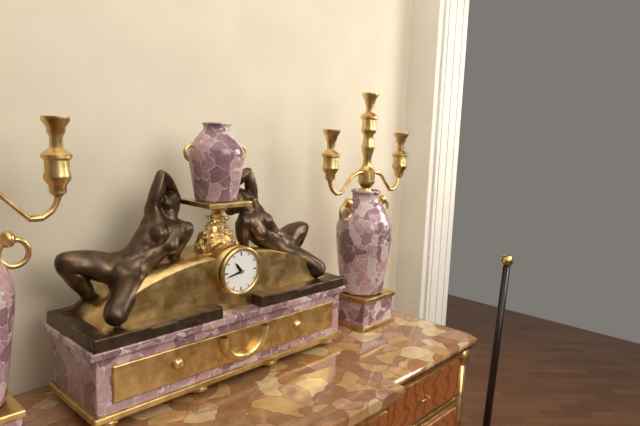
10:43
